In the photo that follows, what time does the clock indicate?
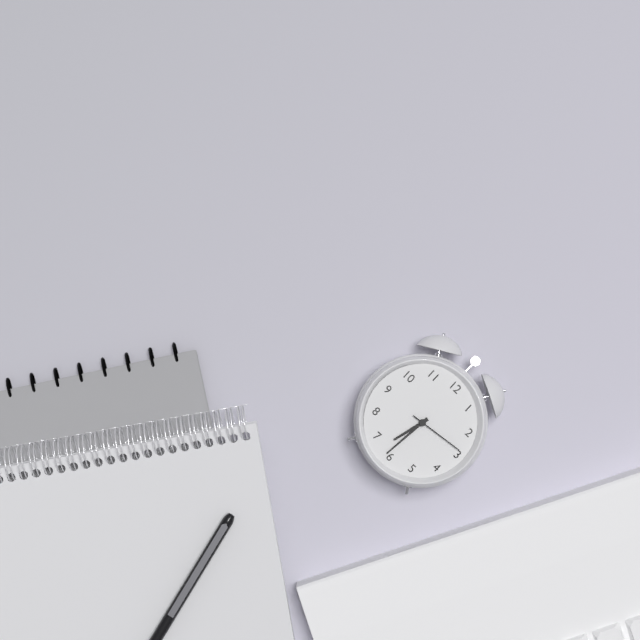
6:31:14
